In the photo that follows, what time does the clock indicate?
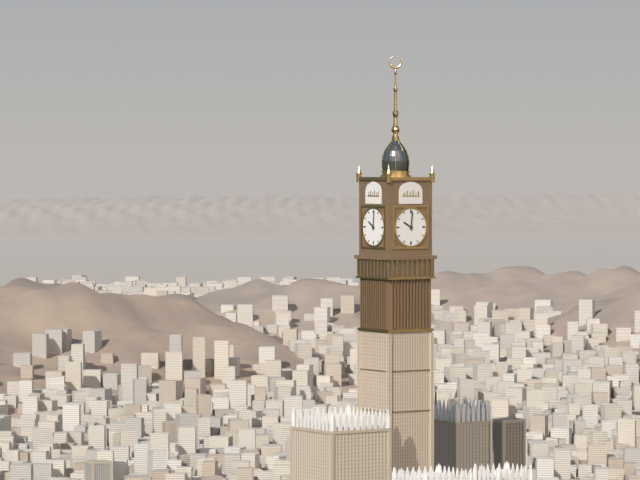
10:01
